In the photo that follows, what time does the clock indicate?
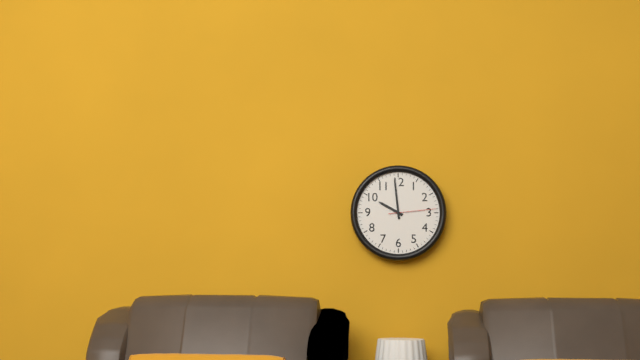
9:59
